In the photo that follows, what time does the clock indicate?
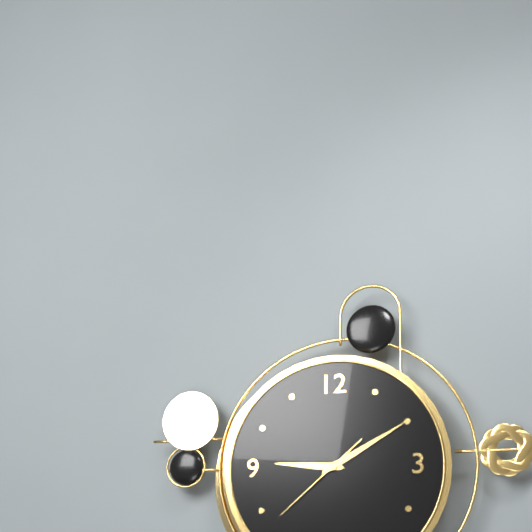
9:10:38
